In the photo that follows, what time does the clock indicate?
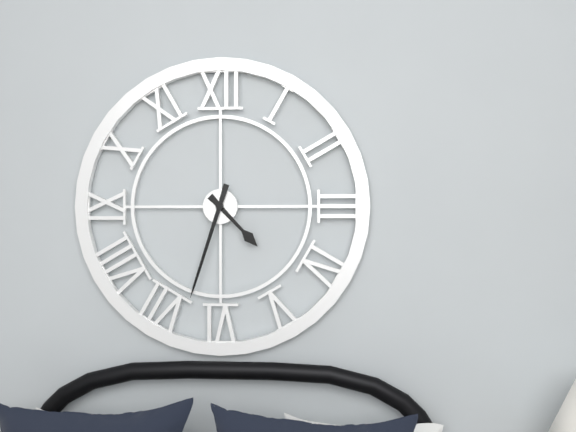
4:33
